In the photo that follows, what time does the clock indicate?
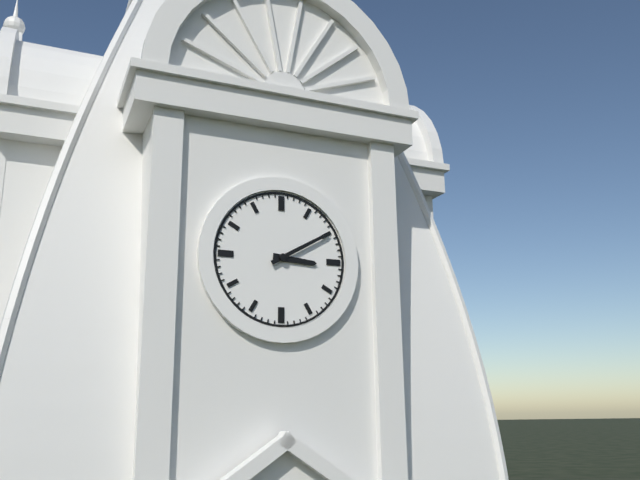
3:10
